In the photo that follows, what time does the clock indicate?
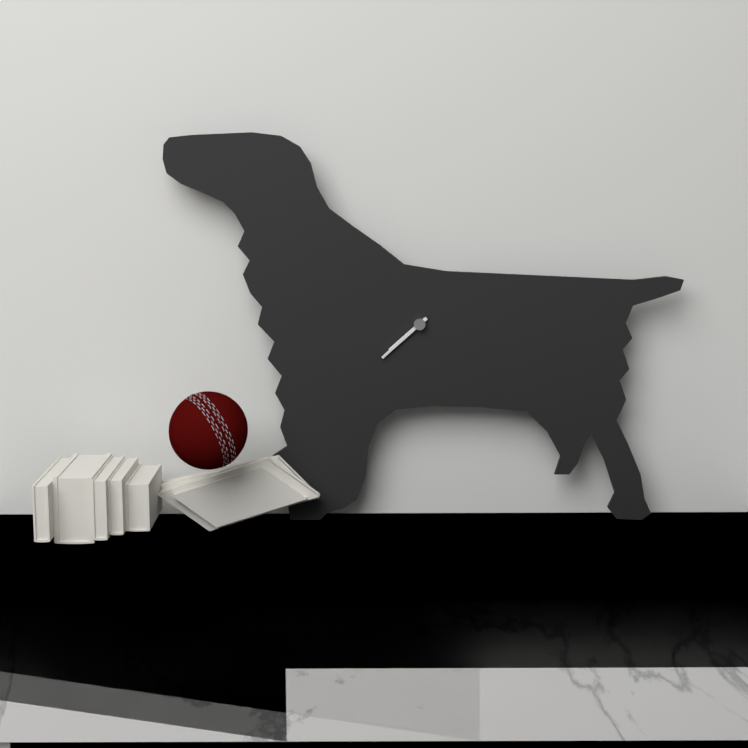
7:38
